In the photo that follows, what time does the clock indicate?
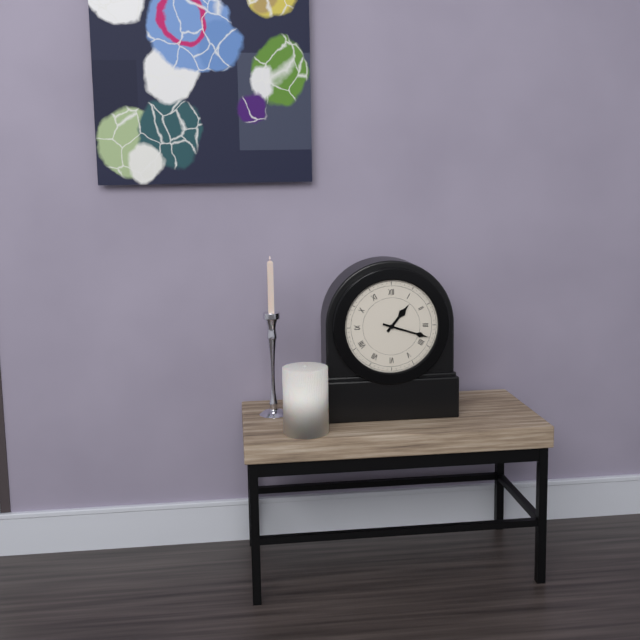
1:18
